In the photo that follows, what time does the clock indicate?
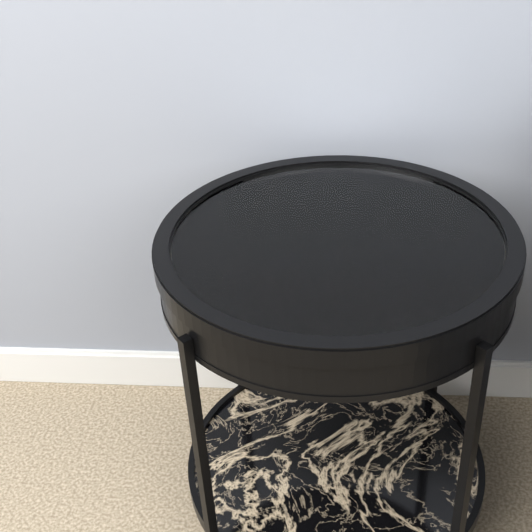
9:38
